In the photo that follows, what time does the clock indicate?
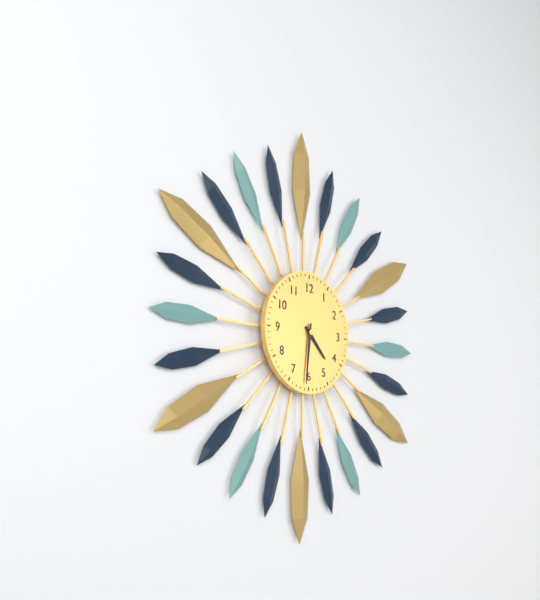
4:31
